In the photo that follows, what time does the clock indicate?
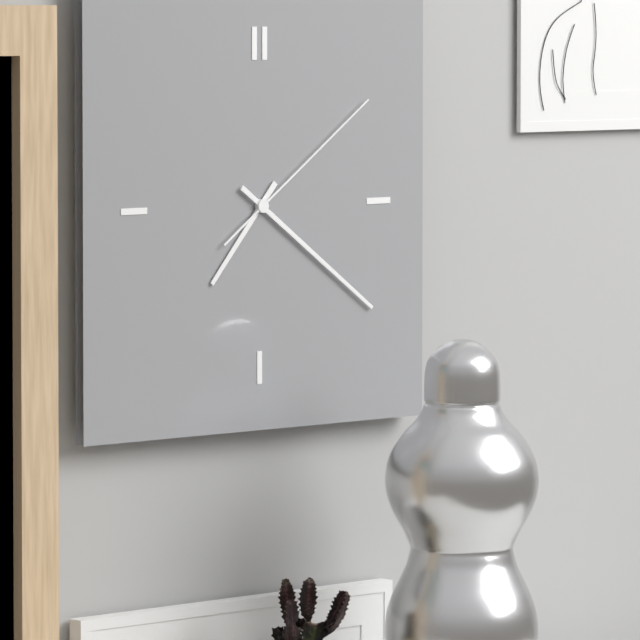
7:21:09
